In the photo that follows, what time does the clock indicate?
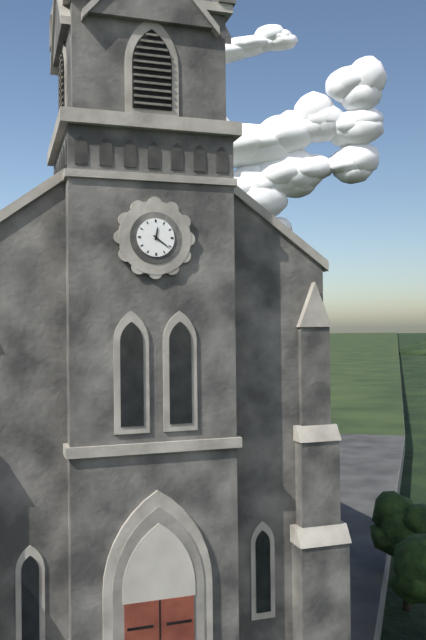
12:21
